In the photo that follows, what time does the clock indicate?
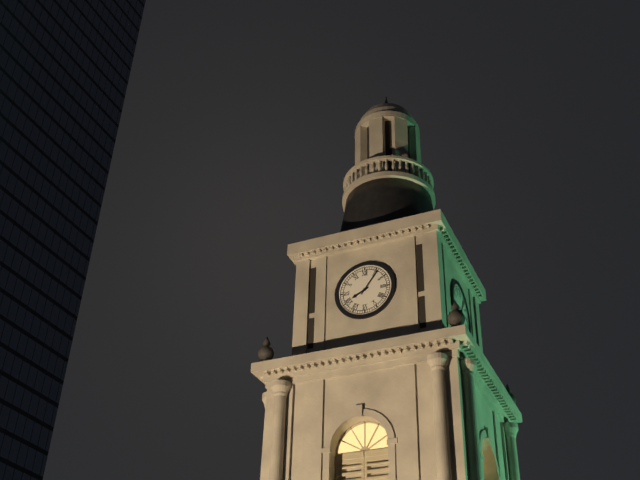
8:06
